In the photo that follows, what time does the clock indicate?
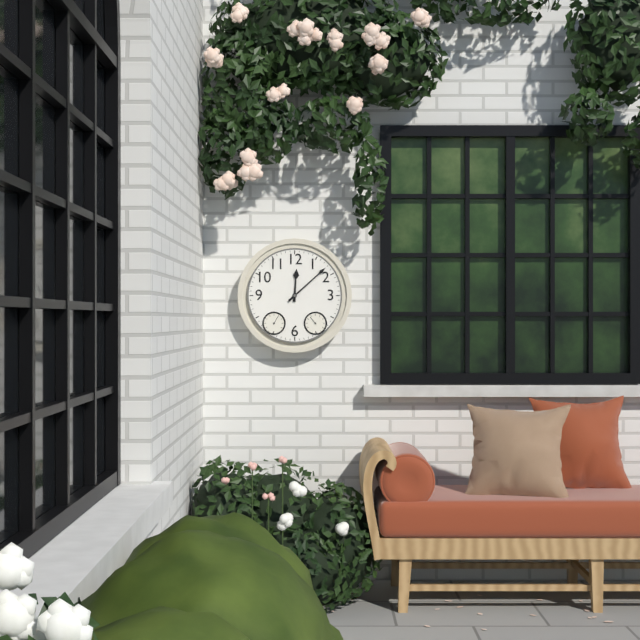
12:08
